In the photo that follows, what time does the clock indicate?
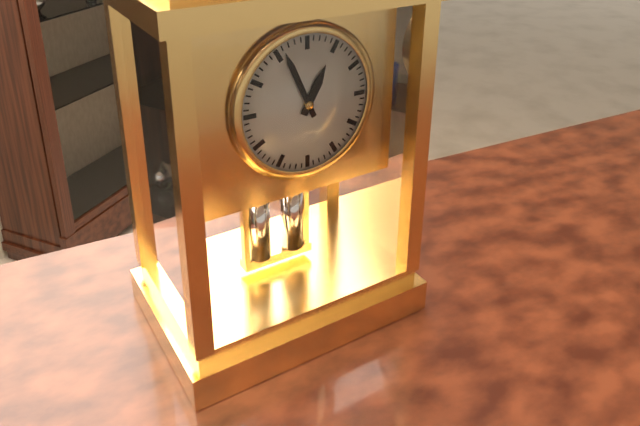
12:56
